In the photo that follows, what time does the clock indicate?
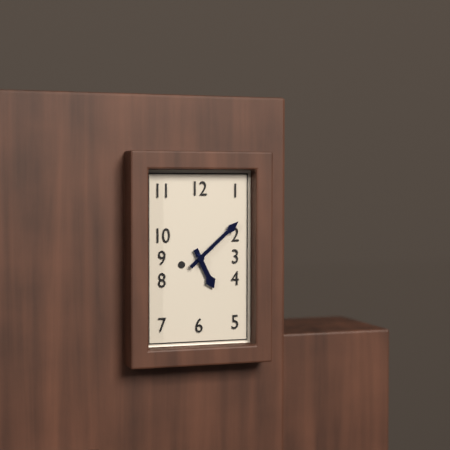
5:08
